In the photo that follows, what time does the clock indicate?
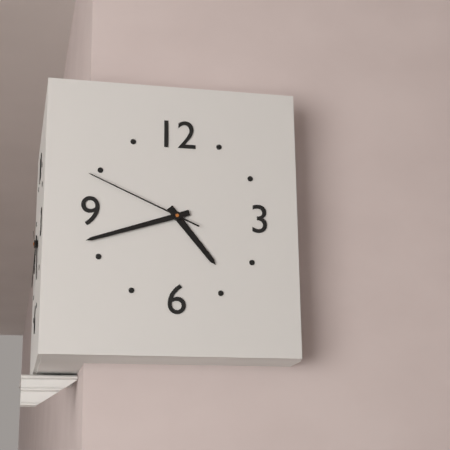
4:42:49
